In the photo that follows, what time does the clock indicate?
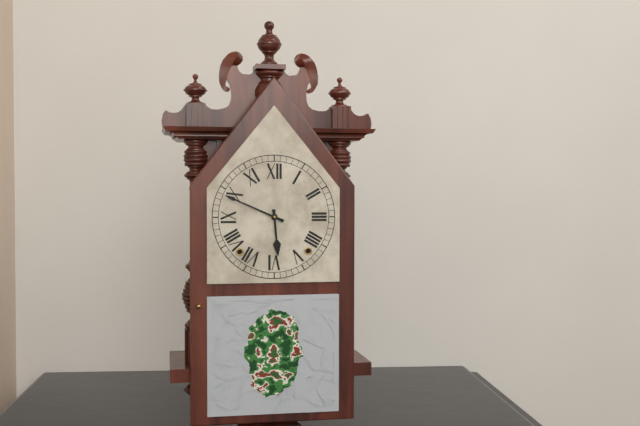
5:49
